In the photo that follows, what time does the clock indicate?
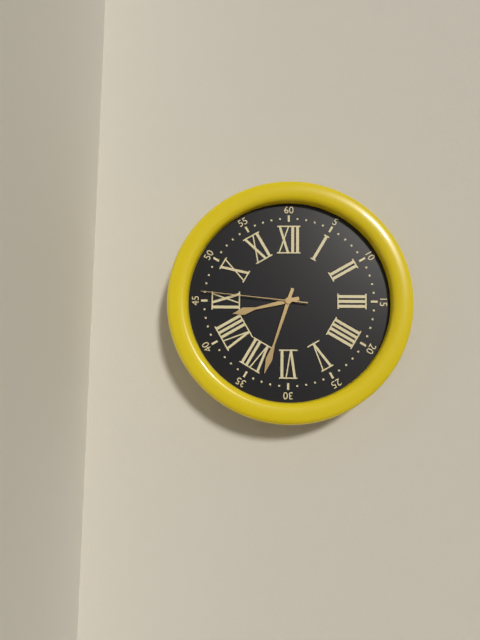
8:33:46
